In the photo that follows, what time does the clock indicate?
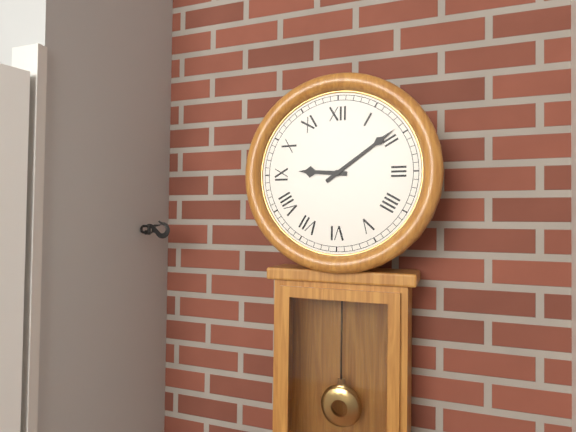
9:09
